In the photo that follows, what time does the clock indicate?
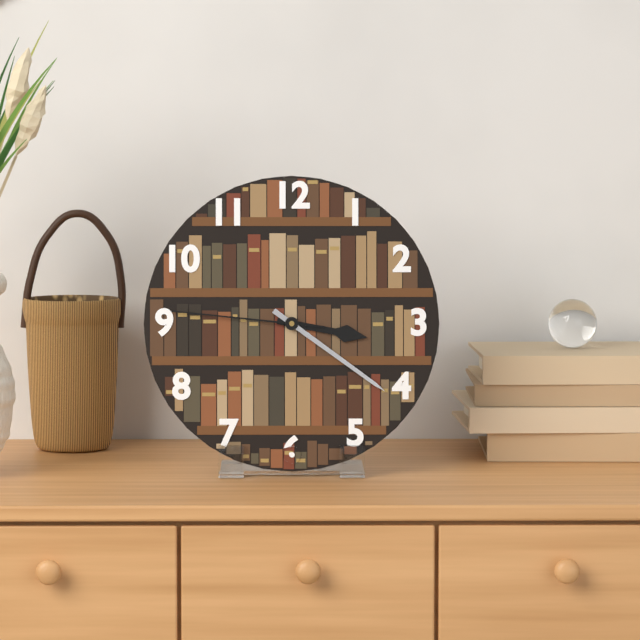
3:21:46
